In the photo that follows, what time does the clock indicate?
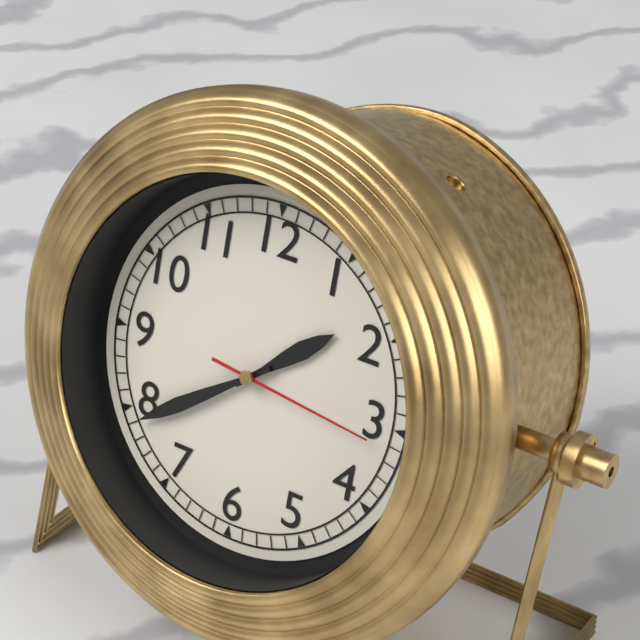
1:39:16
